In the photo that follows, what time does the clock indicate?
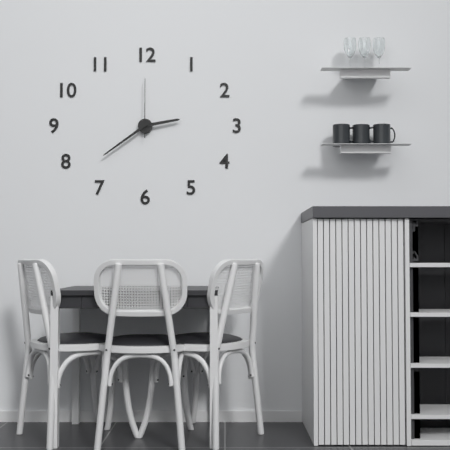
2:39:00
